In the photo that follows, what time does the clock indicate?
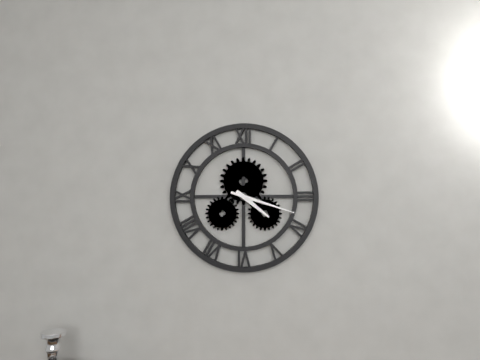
4:18
